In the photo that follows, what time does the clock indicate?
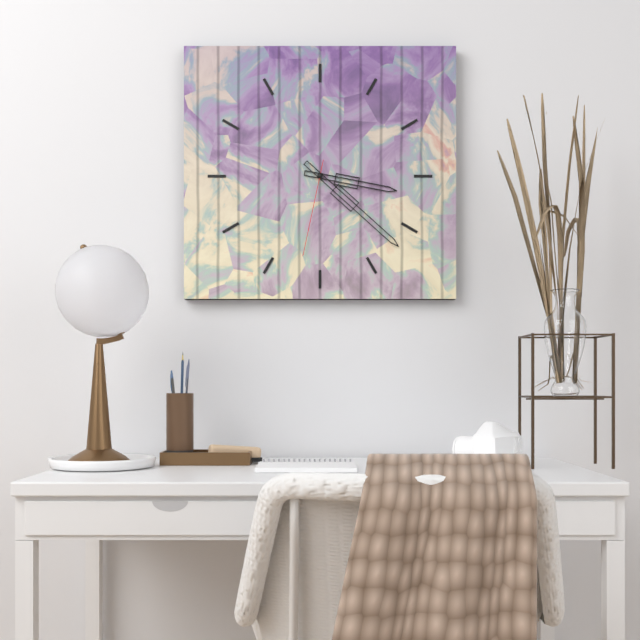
3:22:32
